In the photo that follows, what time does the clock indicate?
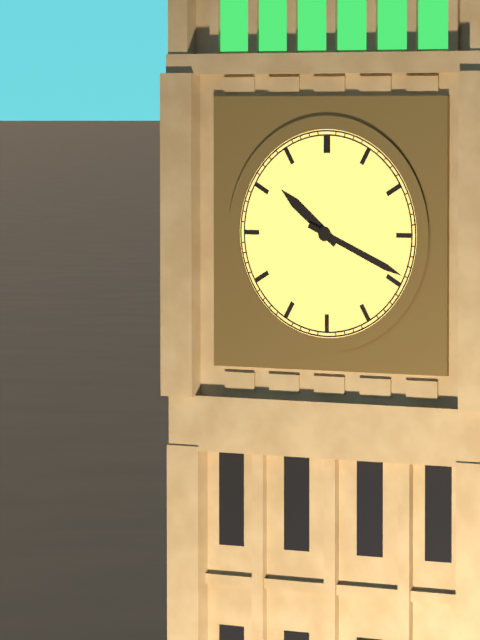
10:19
